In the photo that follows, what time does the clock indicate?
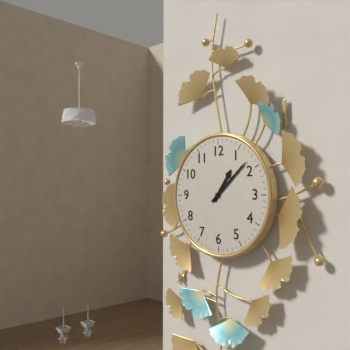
1:08
